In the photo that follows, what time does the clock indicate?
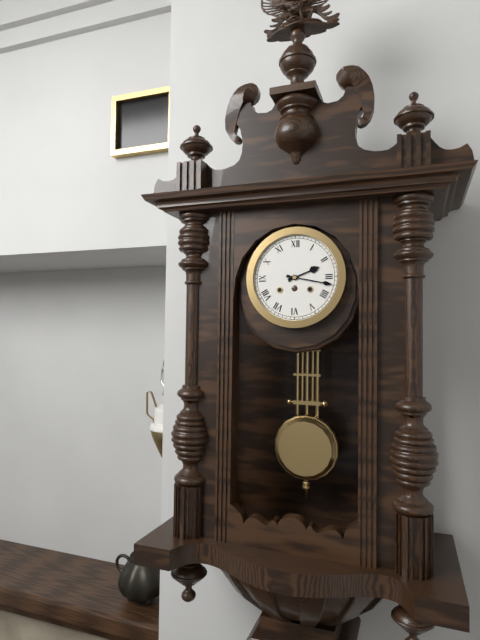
2:17
